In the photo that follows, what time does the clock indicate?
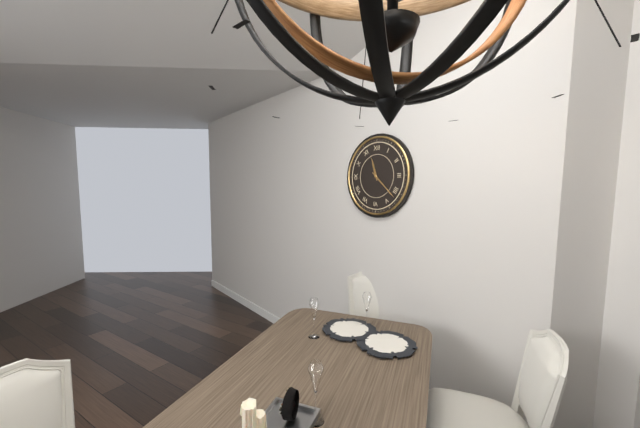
11:22
